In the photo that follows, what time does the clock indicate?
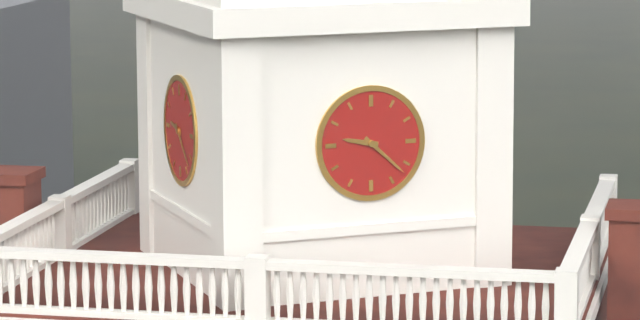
9:22
